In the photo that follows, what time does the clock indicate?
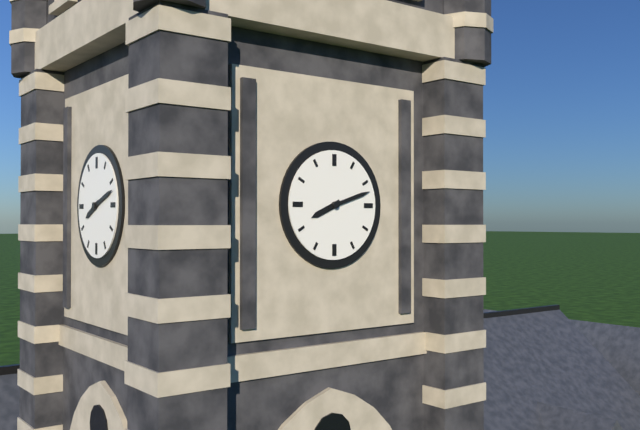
8:12
